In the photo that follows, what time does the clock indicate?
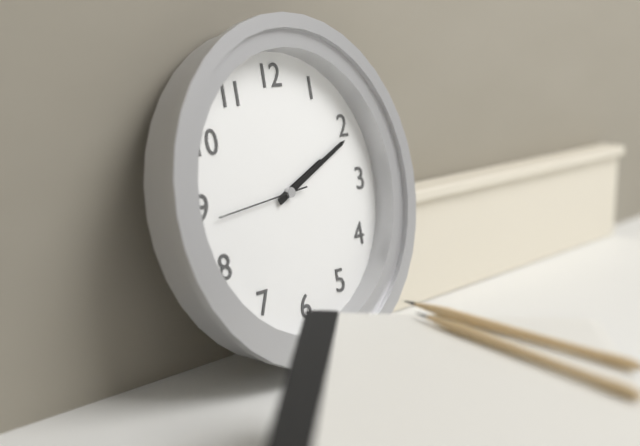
2:11:44
